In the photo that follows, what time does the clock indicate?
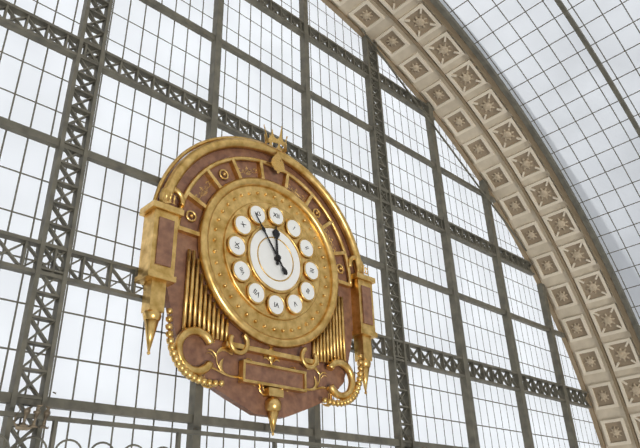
11:54
